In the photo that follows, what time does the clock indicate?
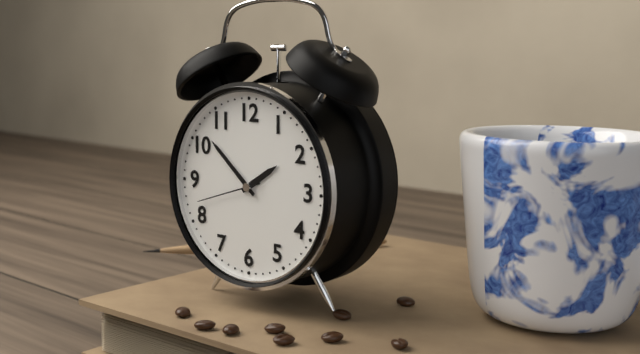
1:52:42
